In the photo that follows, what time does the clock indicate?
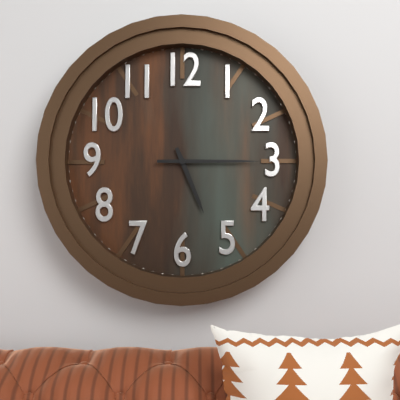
5:15
